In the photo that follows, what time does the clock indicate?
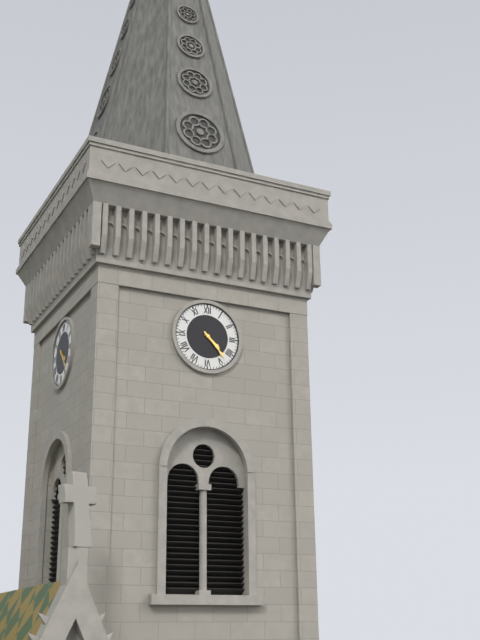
4:23
